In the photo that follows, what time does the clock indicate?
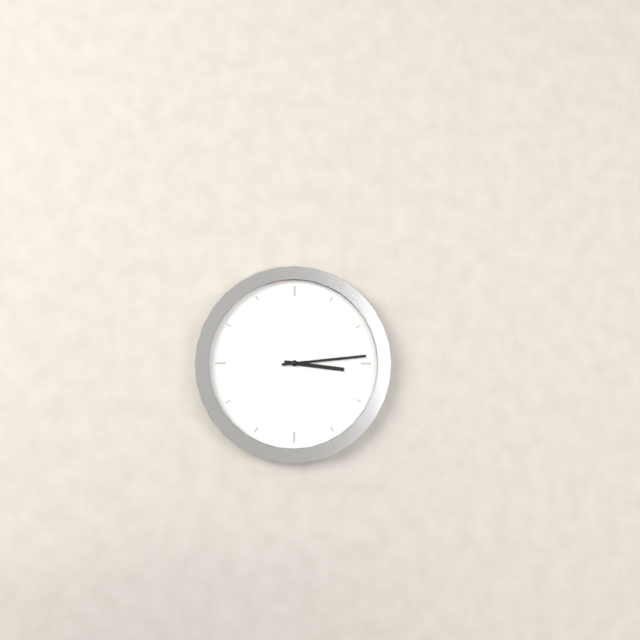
3:14
